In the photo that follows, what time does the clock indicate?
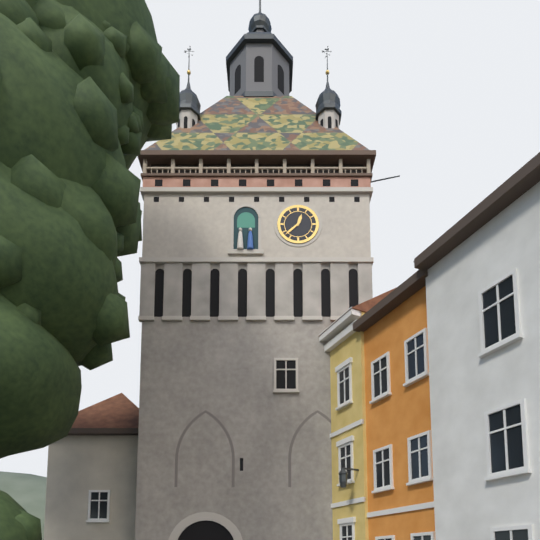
12:38
